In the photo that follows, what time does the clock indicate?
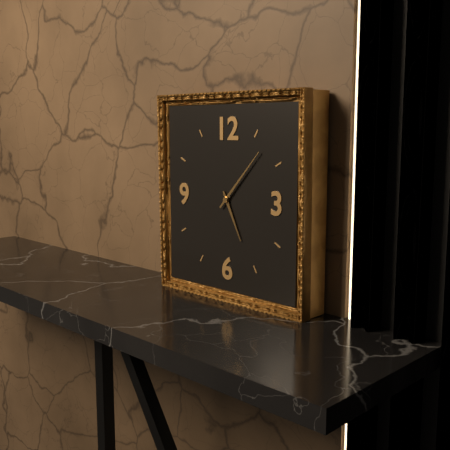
5:07
